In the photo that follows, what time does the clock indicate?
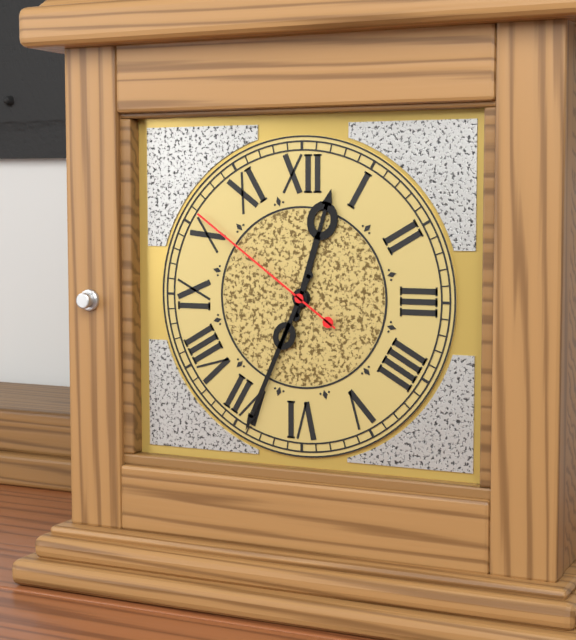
12:34:51
